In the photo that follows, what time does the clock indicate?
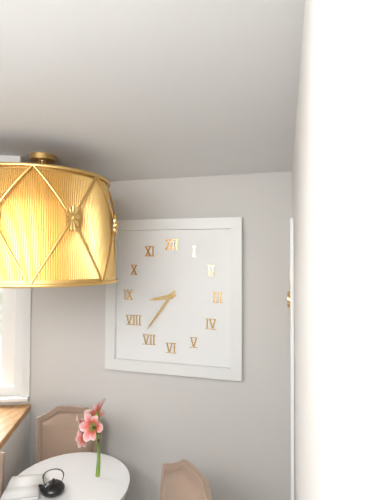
8:36
